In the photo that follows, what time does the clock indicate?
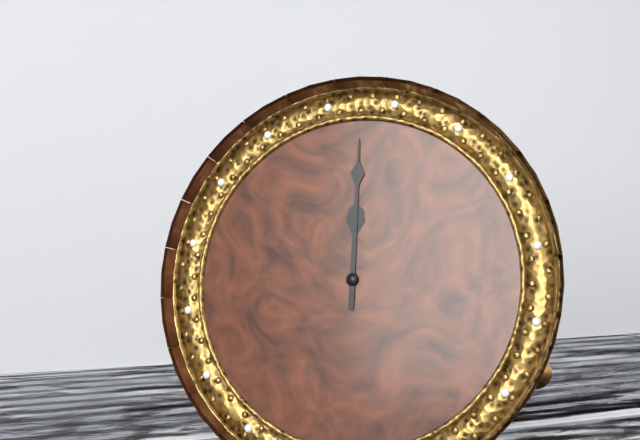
12:00
